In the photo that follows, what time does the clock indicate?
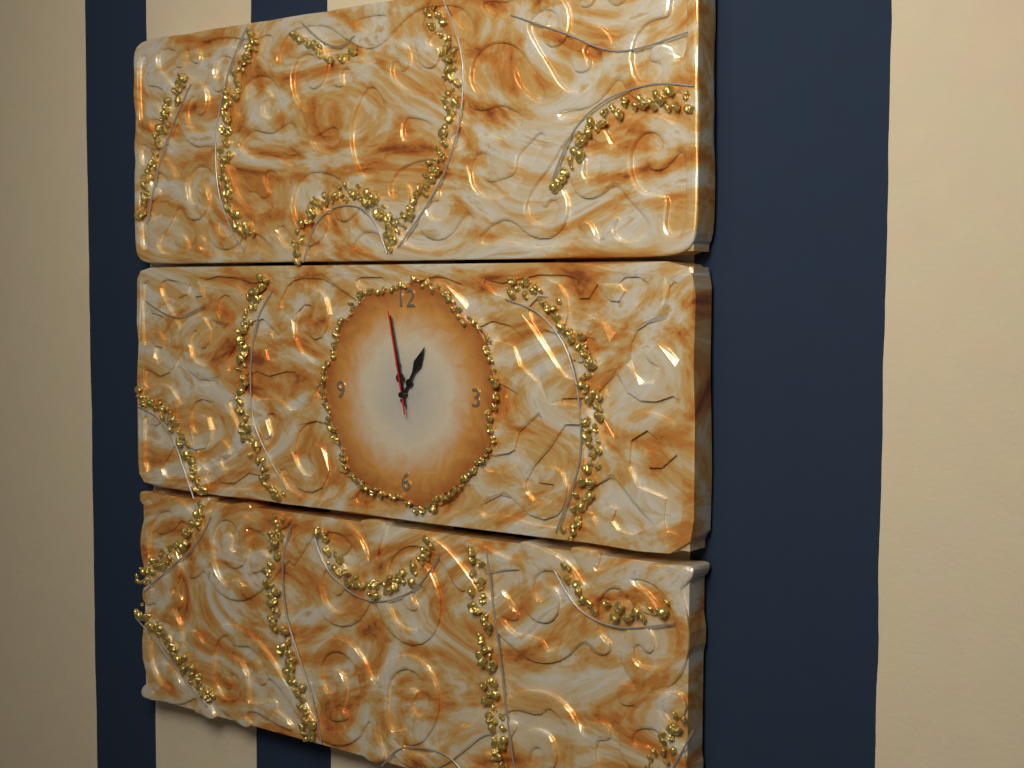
12:58:58
